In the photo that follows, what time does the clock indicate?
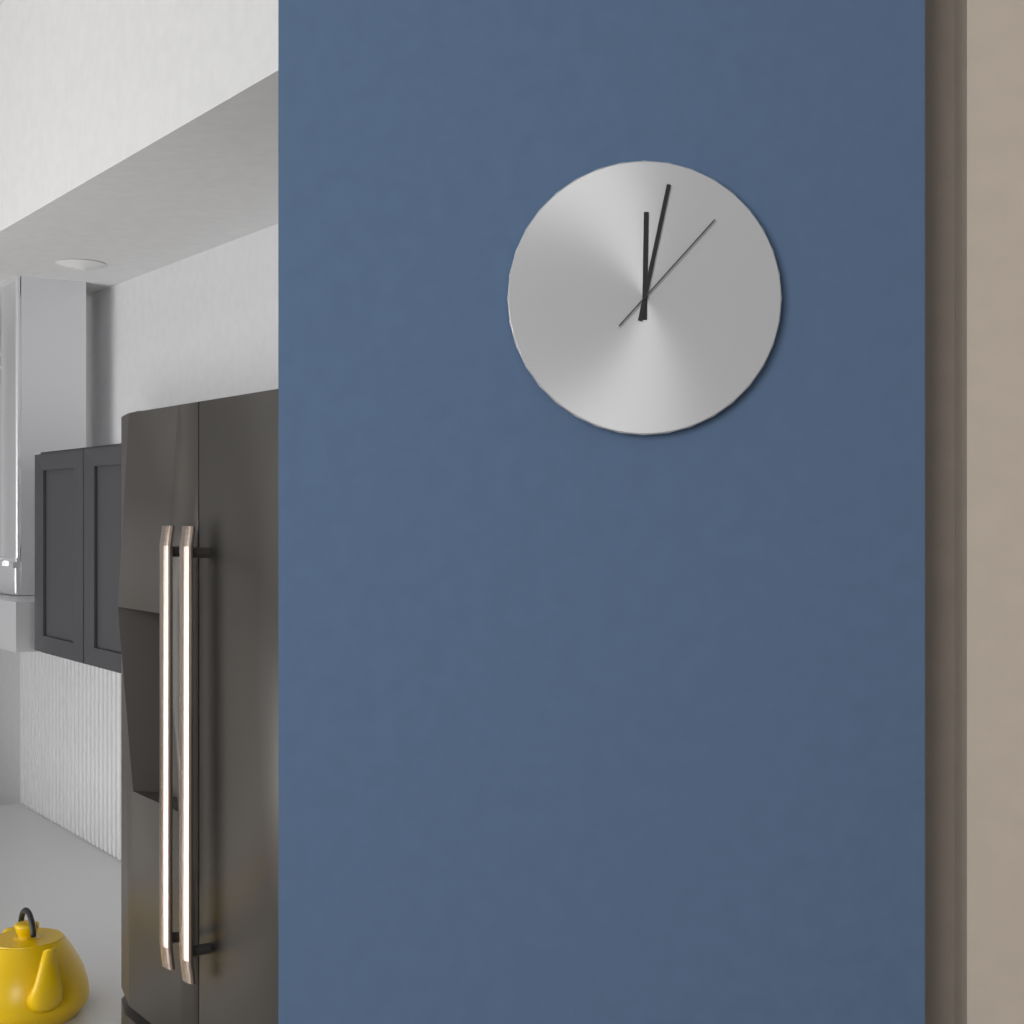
12:02:07
